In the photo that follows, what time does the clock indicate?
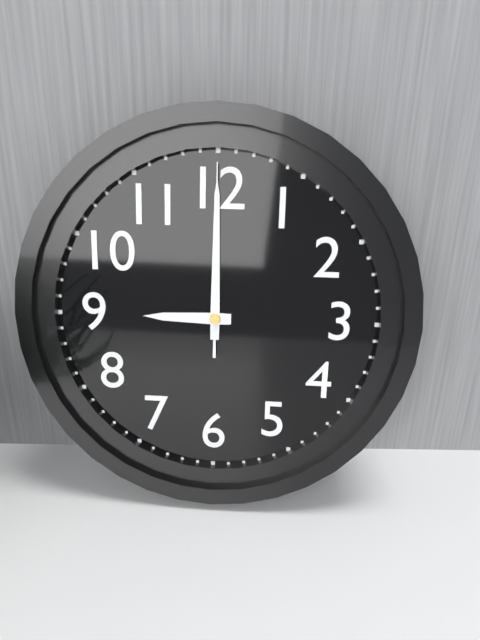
9:00:00
